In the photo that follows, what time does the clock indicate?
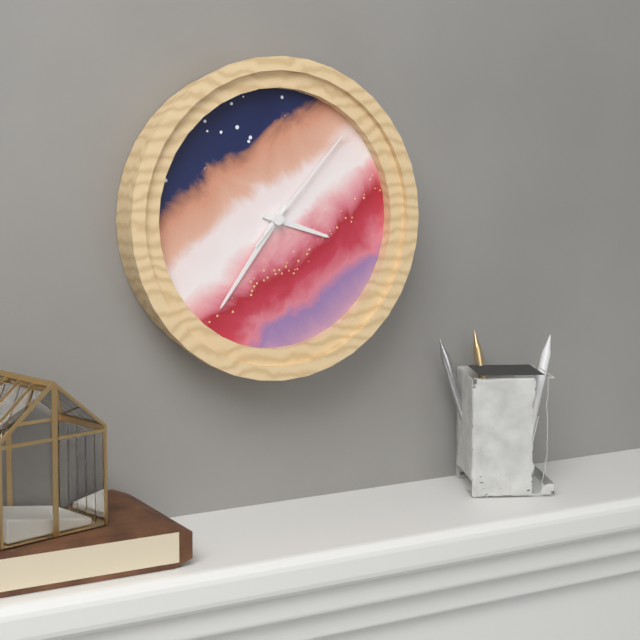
3:36:07
